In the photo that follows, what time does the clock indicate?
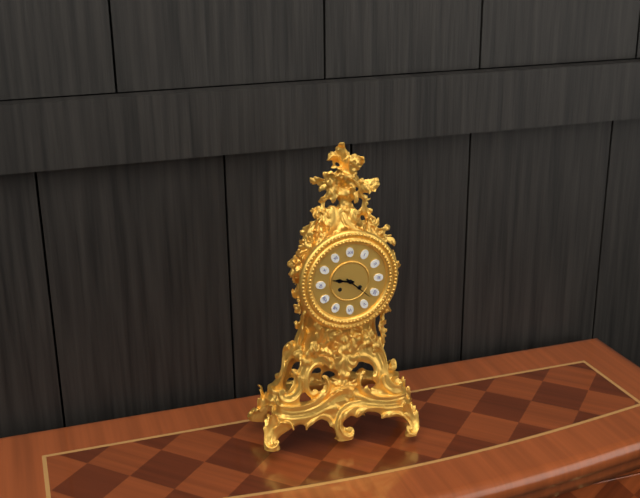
9:22
